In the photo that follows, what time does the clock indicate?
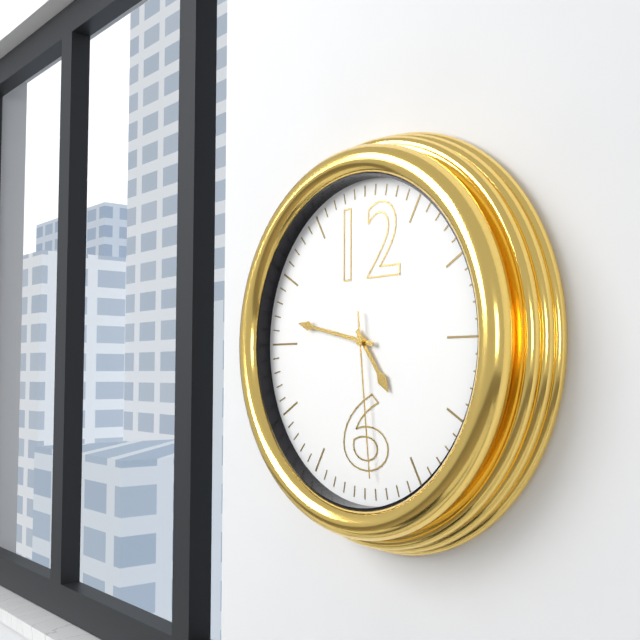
4:47:29
